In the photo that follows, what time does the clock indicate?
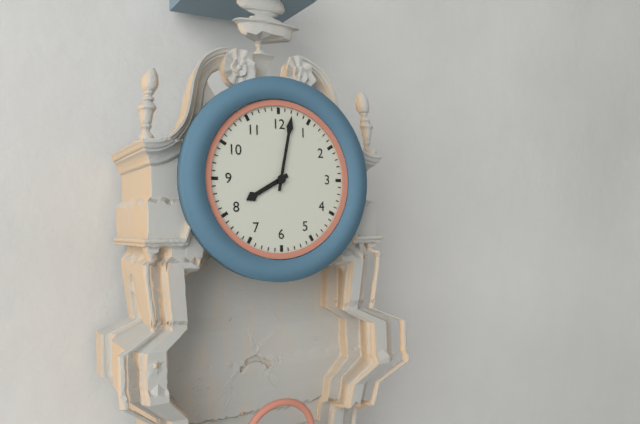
8:02
